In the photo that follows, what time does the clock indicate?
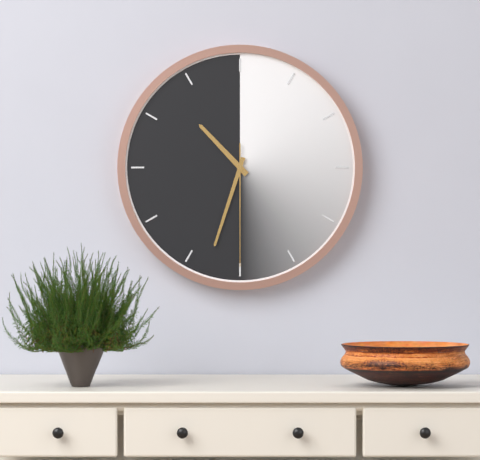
10:33:30
